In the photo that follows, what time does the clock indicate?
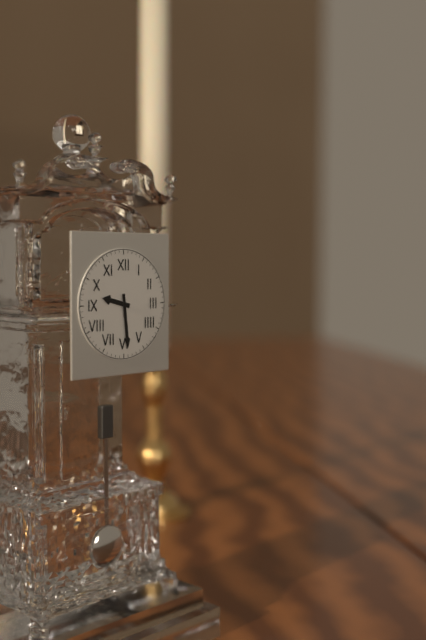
9:29
